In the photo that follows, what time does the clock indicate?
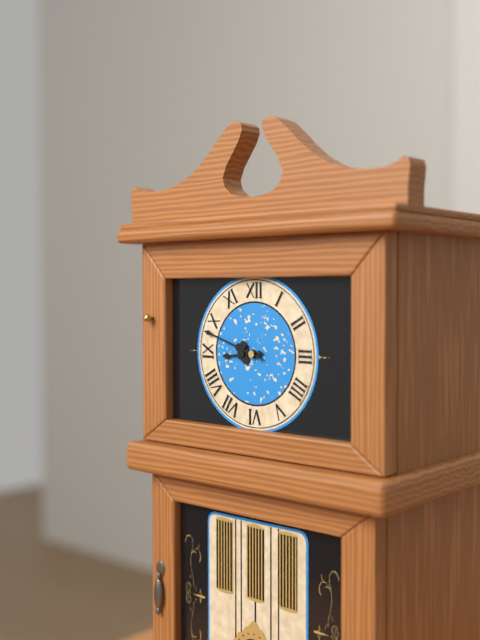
8:48
